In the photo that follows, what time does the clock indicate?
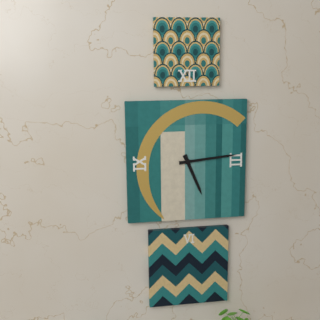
5:14
